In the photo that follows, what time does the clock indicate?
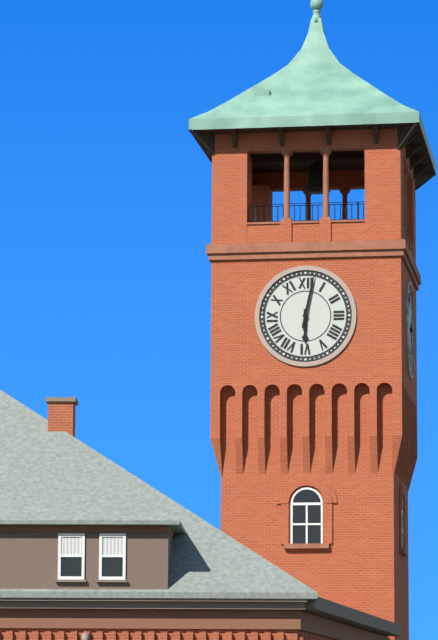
6:02
